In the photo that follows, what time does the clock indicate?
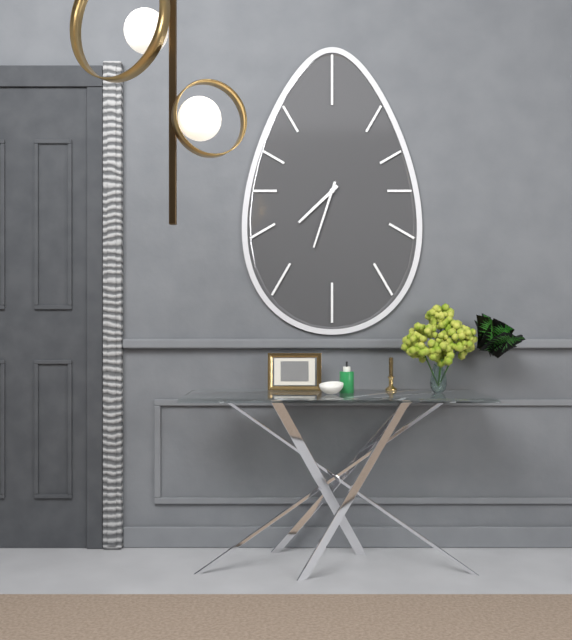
7:33
